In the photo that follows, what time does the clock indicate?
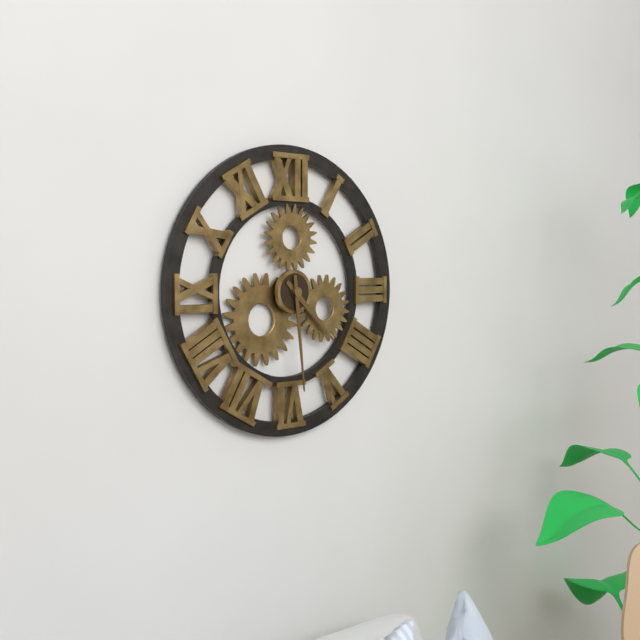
4:29
